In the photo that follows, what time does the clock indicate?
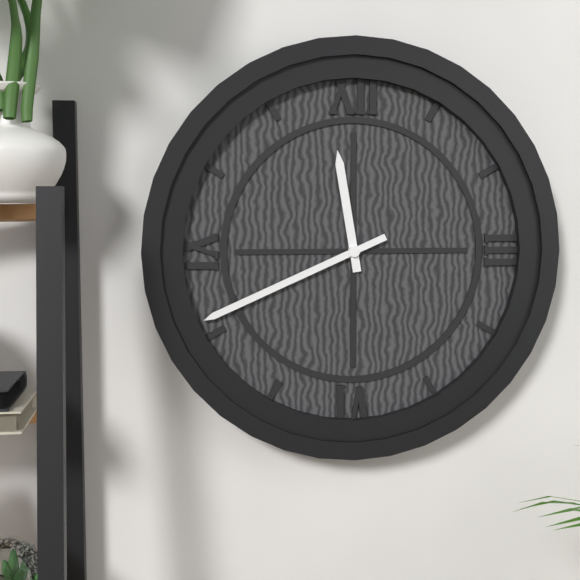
11:41
